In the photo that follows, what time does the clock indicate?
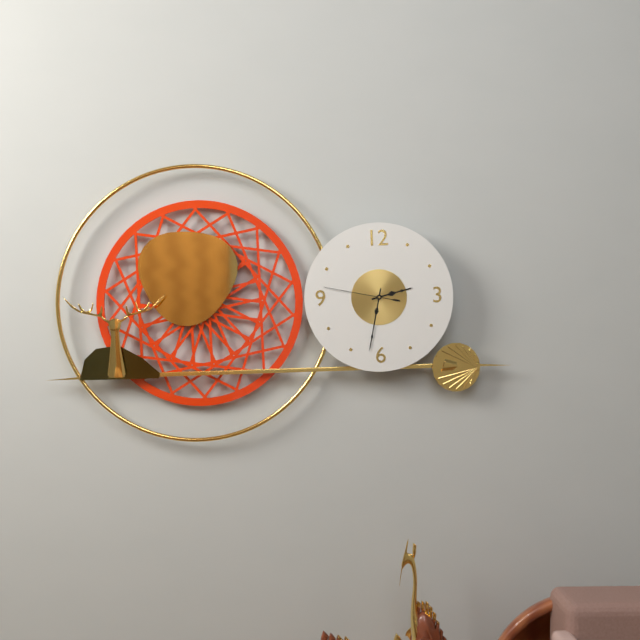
2:32:47
